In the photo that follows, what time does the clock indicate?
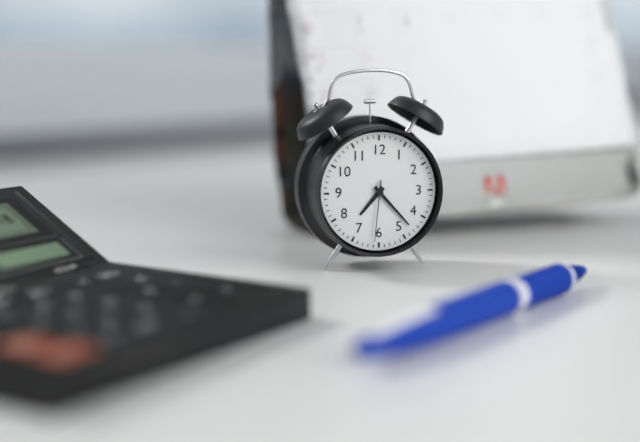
7:23:31
